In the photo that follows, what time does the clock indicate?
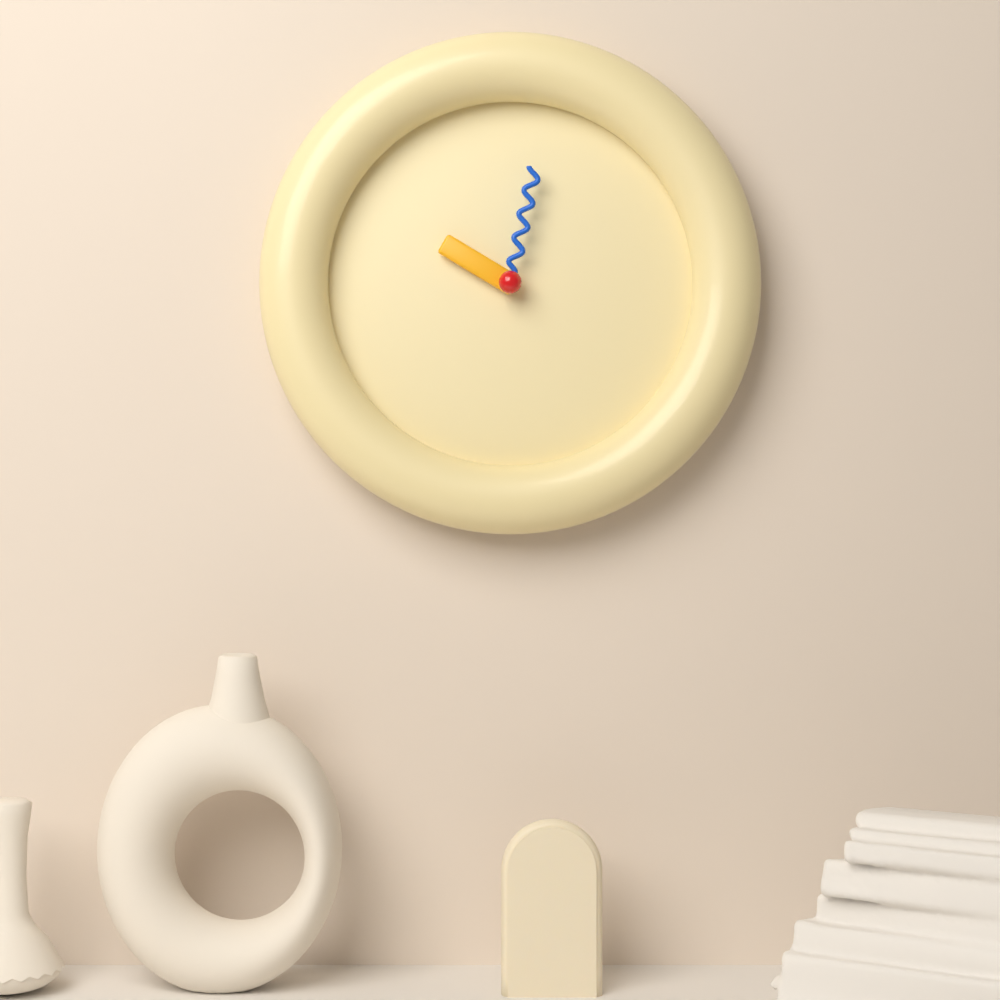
10:02
